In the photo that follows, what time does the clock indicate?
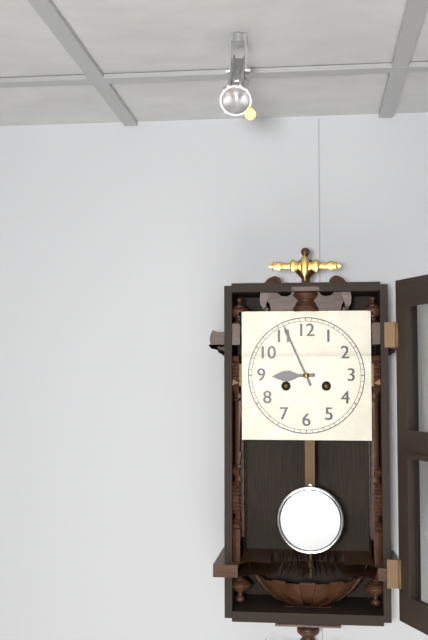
8:56
